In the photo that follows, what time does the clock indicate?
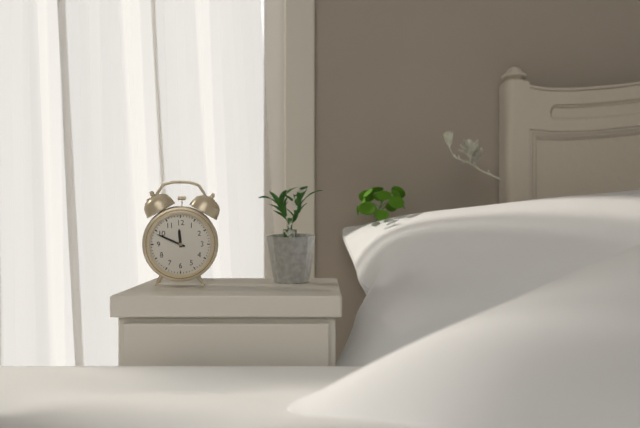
11:49
